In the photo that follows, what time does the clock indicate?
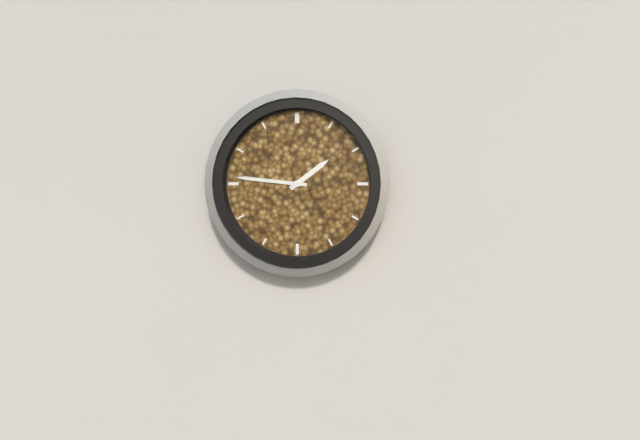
1:46
